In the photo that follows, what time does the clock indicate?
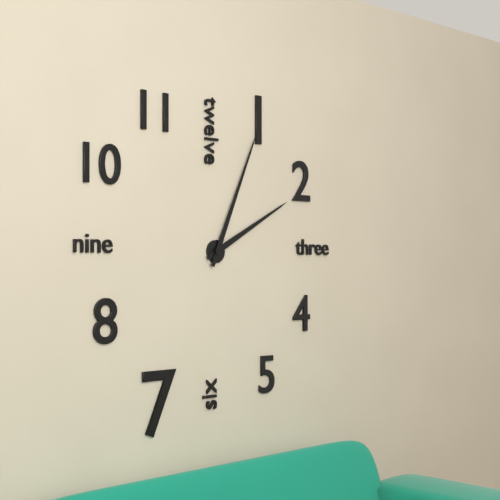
2:04
